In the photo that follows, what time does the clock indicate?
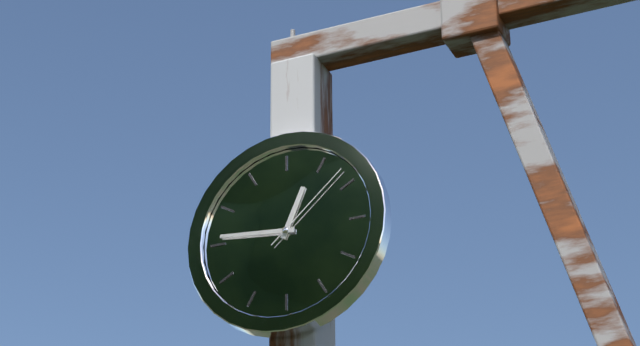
12:46:08
